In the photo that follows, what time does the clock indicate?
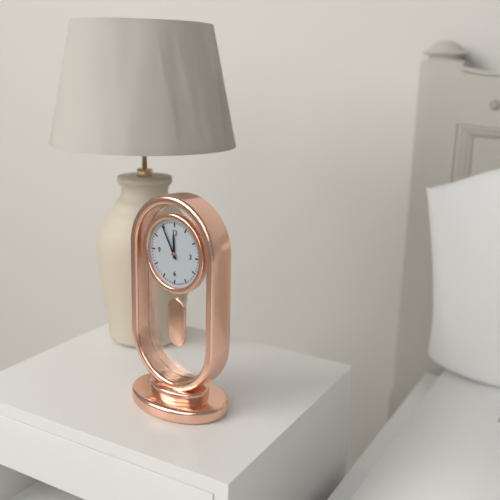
11:55
